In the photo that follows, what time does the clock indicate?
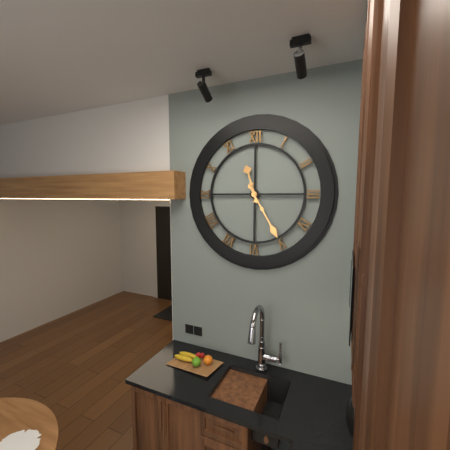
11:25
